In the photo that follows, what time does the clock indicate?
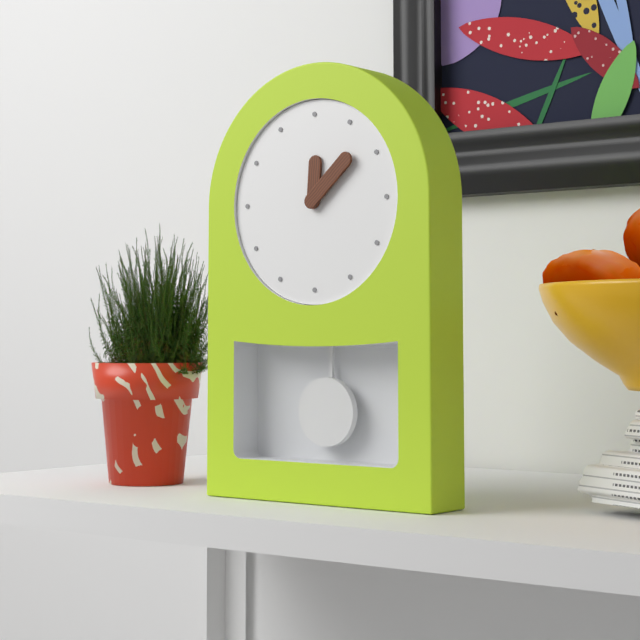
12:08
